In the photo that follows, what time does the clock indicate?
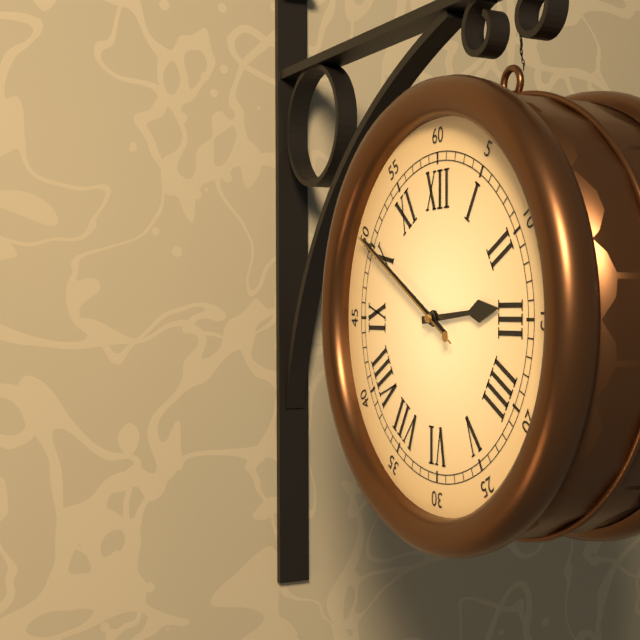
2:50:50
